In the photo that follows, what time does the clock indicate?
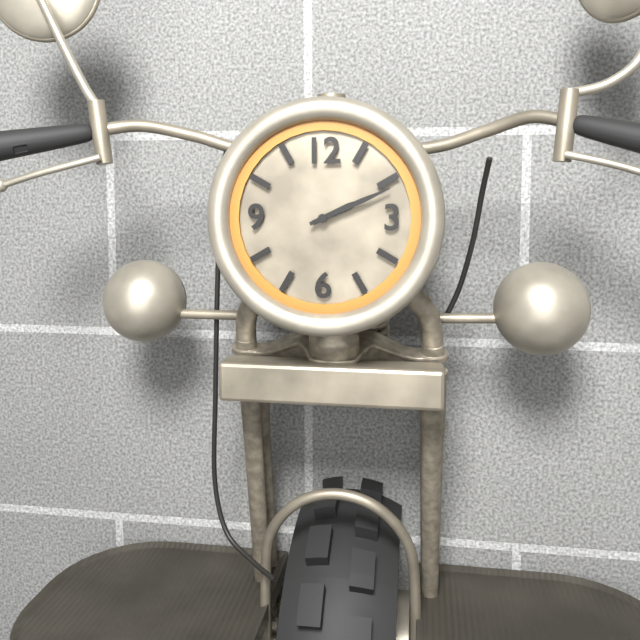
2:11
